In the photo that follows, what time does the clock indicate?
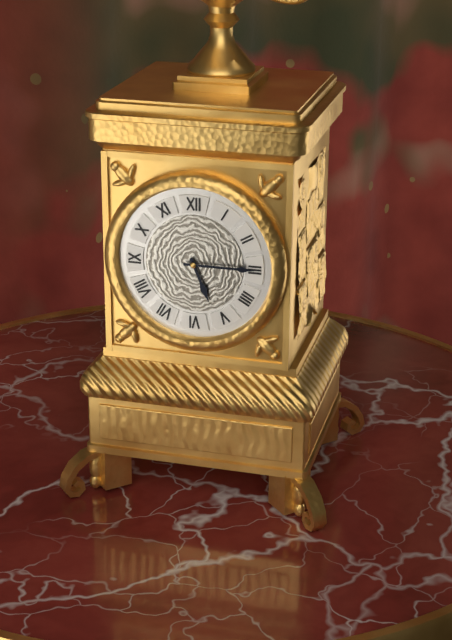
5:15
